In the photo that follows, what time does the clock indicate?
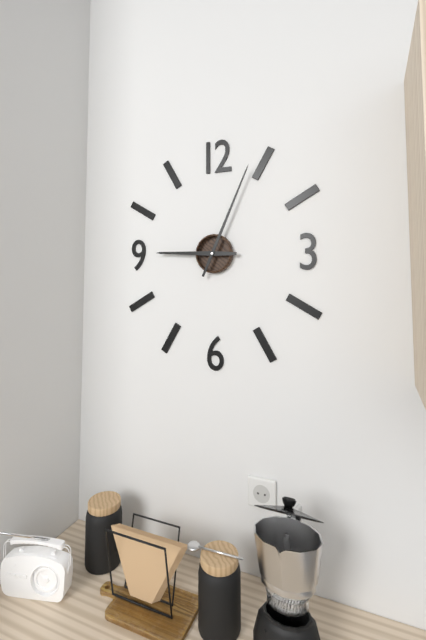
9:04
